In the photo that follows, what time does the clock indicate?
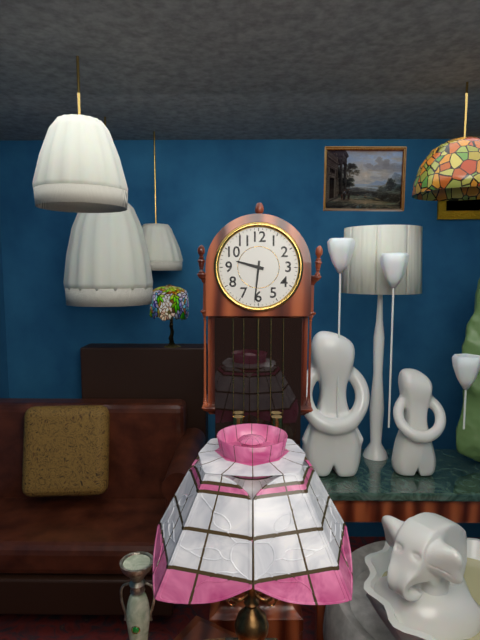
9:31
